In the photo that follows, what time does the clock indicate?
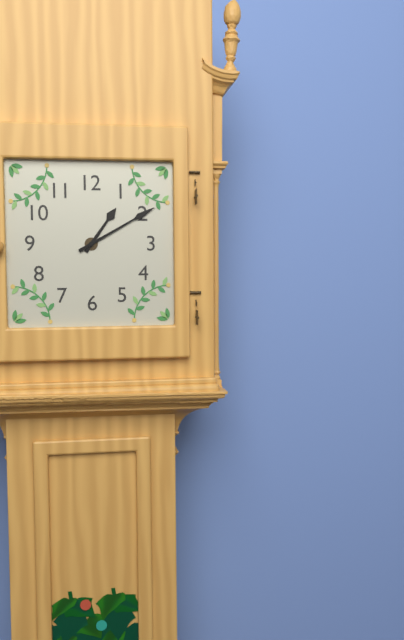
1:10
